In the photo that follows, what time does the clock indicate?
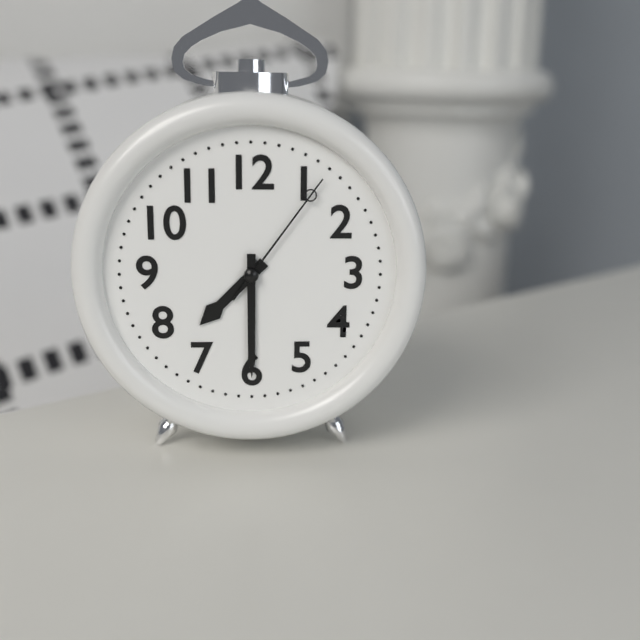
7:30:06
